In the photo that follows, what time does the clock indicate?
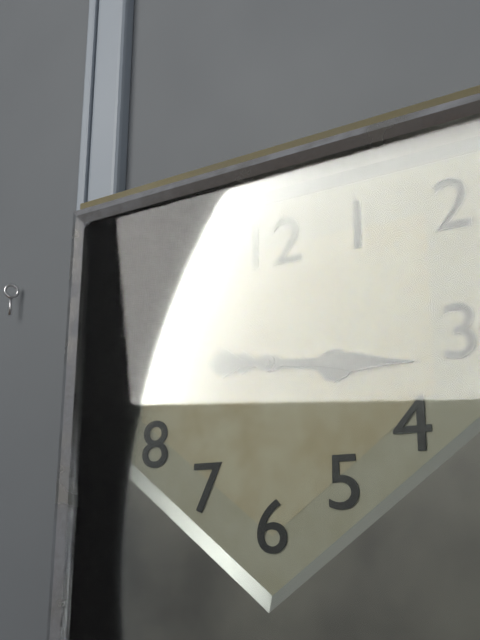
3:16
